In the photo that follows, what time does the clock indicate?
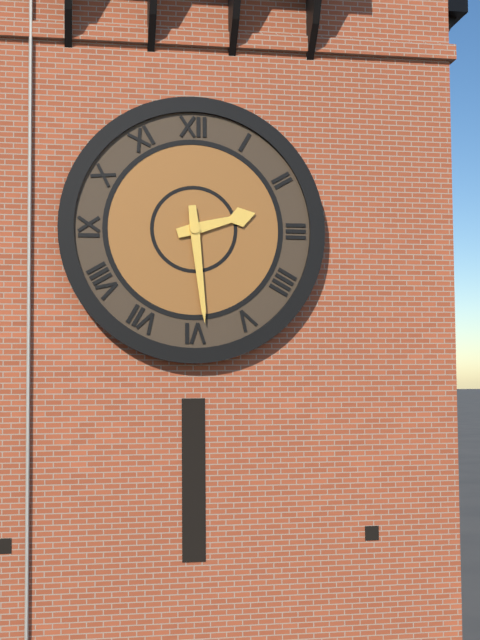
2:29
